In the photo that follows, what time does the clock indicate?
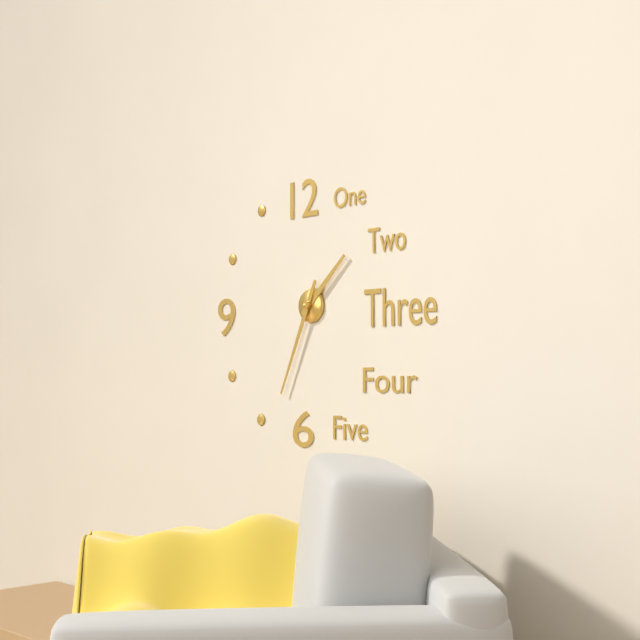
1:34
